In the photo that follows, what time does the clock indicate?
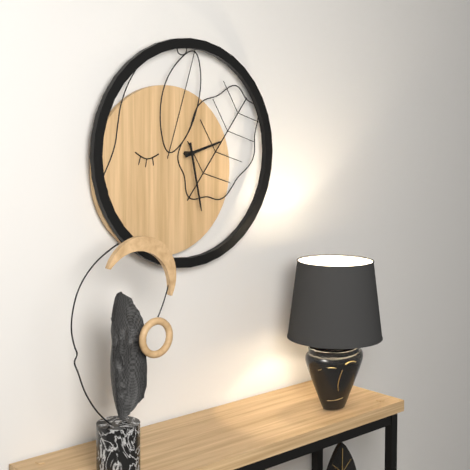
2:28
